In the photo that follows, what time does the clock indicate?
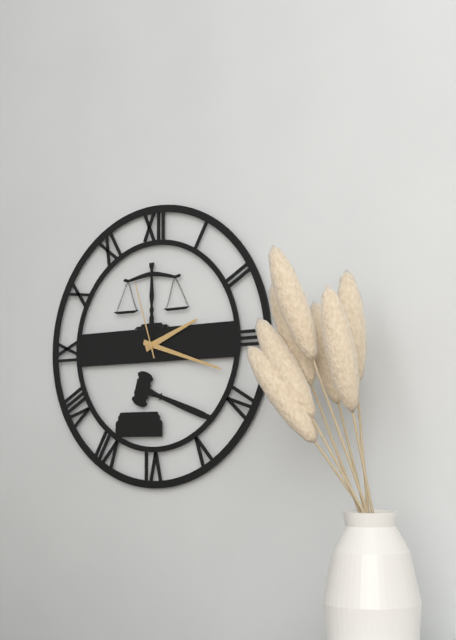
2:18:57
